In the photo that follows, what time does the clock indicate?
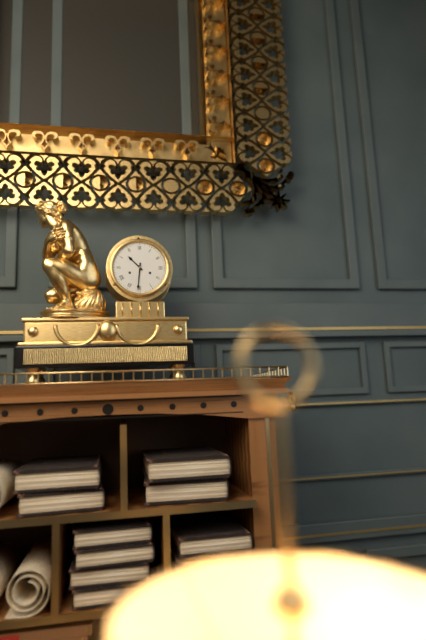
10:31
